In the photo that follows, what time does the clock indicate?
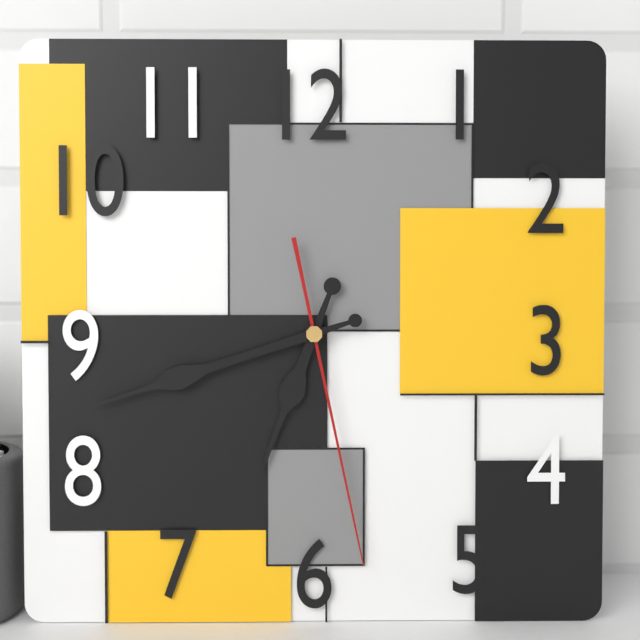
6:42:28
